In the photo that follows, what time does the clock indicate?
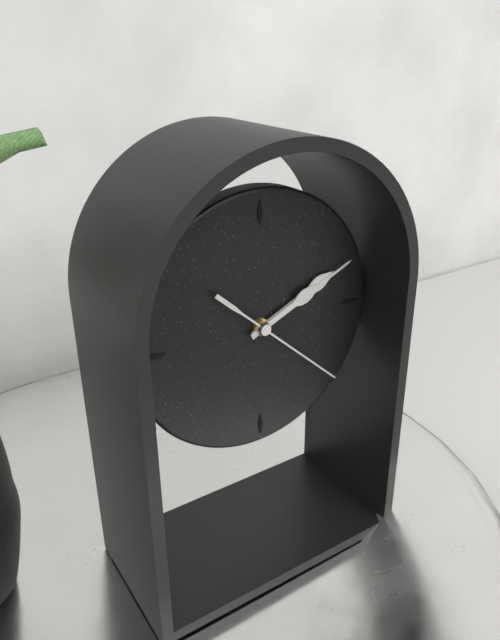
2:11:22
